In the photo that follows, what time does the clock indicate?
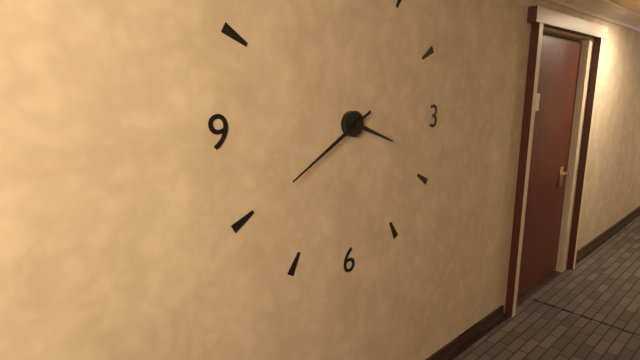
3:40:40
